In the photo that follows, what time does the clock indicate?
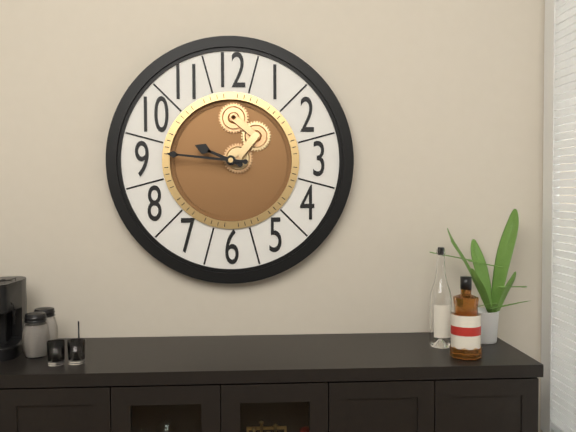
9:46
